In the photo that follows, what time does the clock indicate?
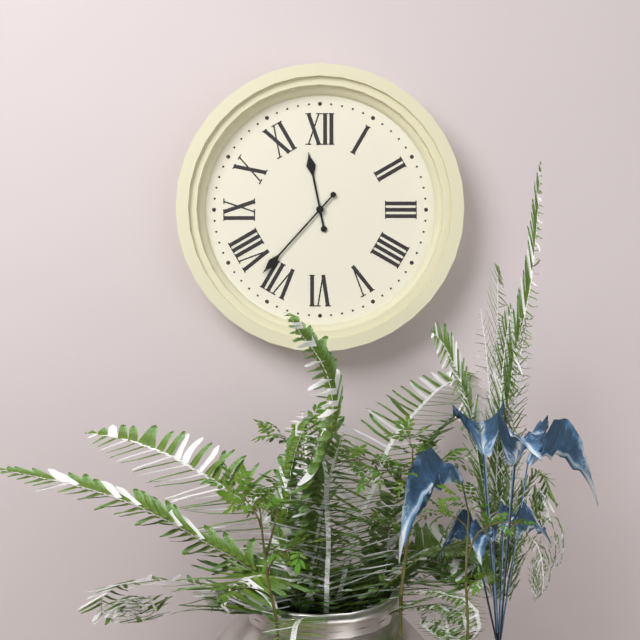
11:37
